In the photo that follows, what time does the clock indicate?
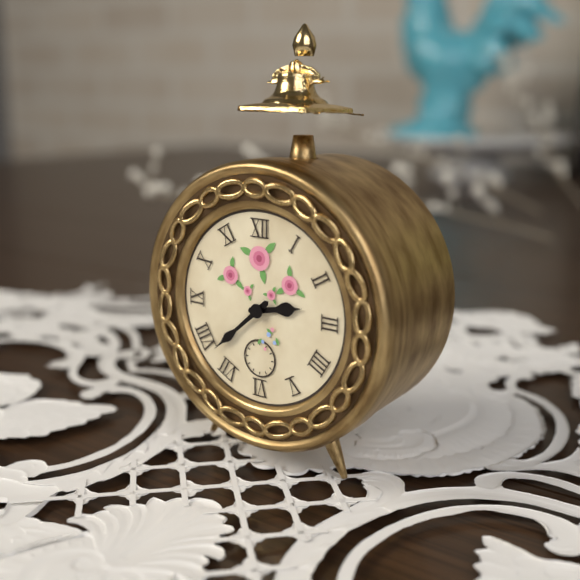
2:38
